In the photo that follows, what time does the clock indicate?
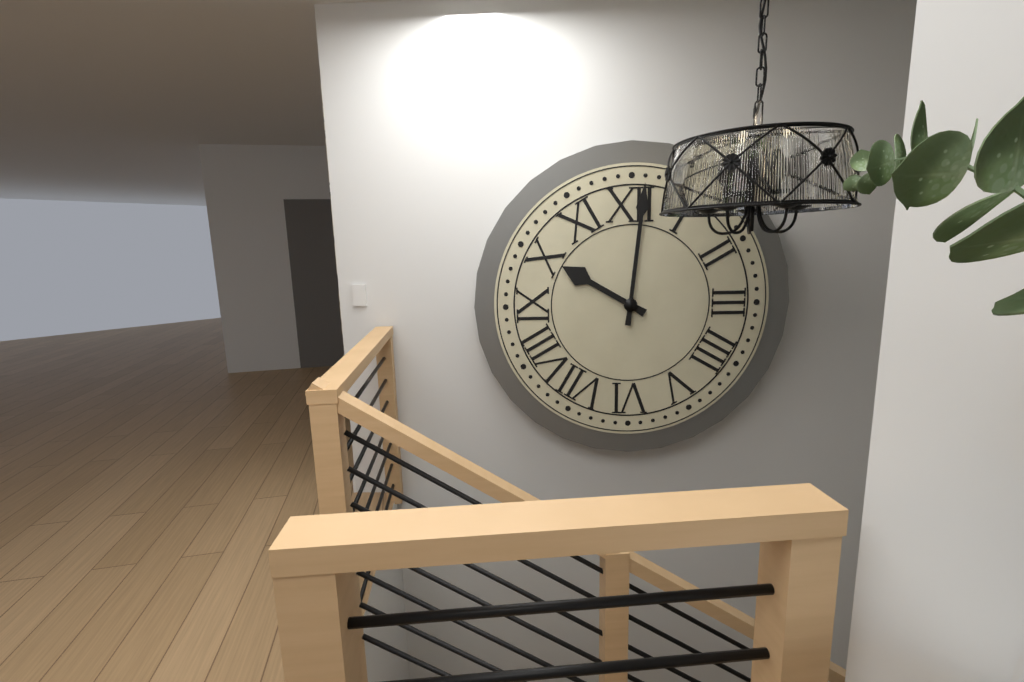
10:01
